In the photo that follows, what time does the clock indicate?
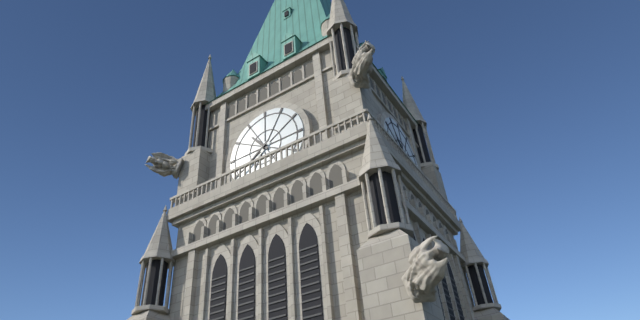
10:39
